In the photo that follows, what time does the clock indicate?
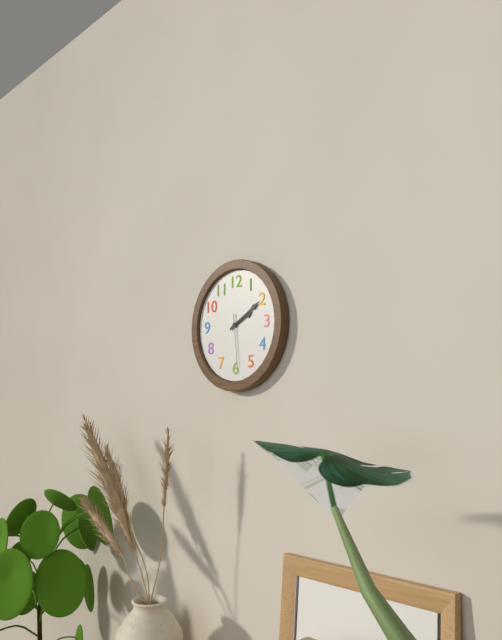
2:10:29
